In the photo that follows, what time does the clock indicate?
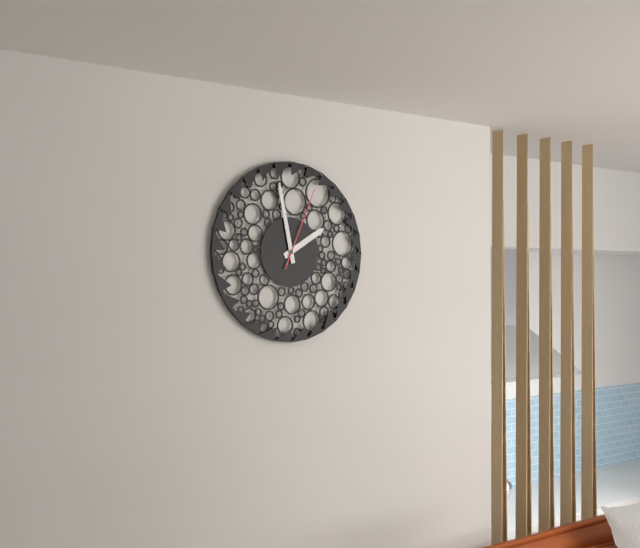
1:58:04
